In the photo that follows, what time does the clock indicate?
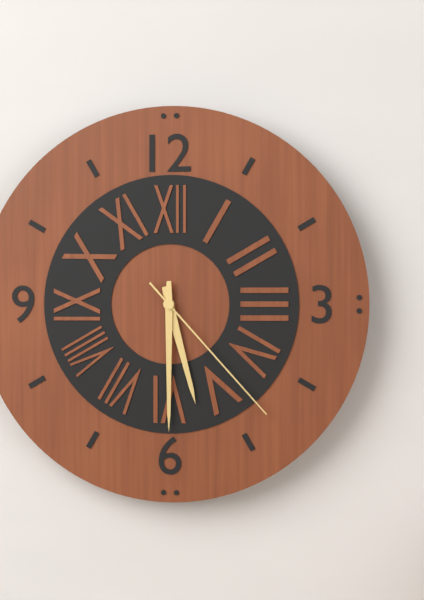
5:30:23
